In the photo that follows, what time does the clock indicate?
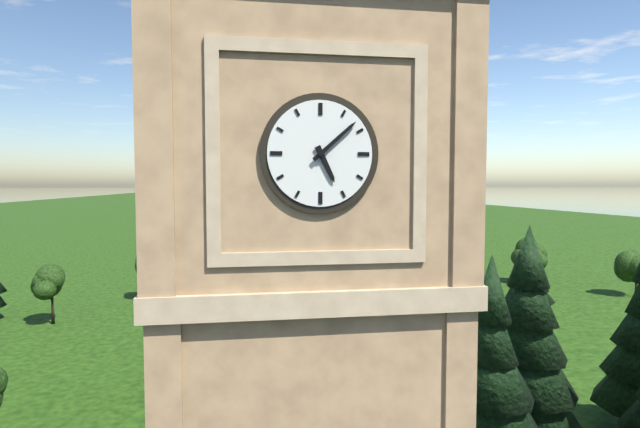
5:08
